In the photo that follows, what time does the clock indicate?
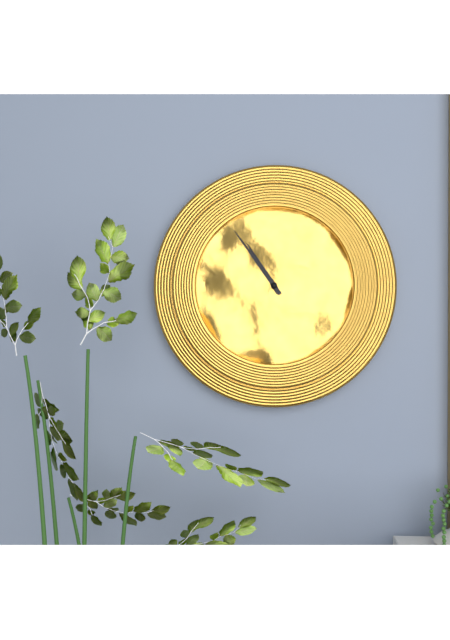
10:54
